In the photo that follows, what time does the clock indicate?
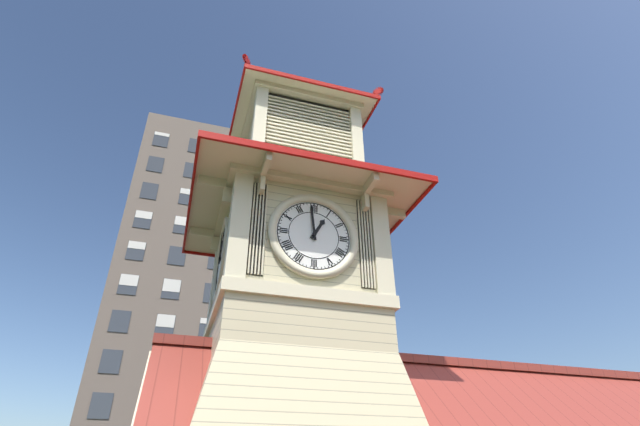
12:59
